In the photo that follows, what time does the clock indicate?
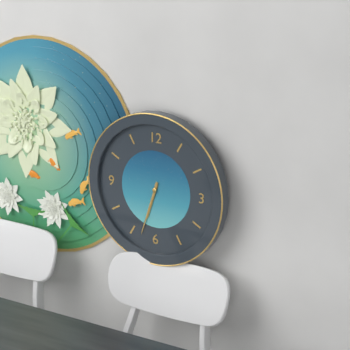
6:33
